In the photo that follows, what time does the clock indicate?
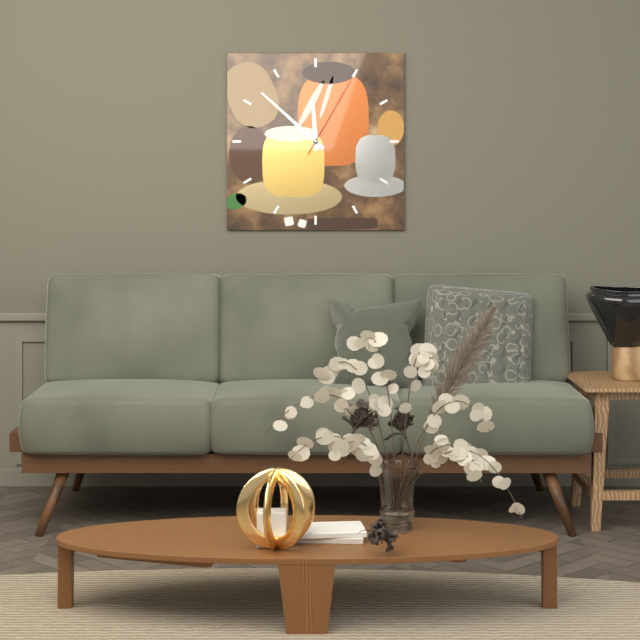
11:52:05
